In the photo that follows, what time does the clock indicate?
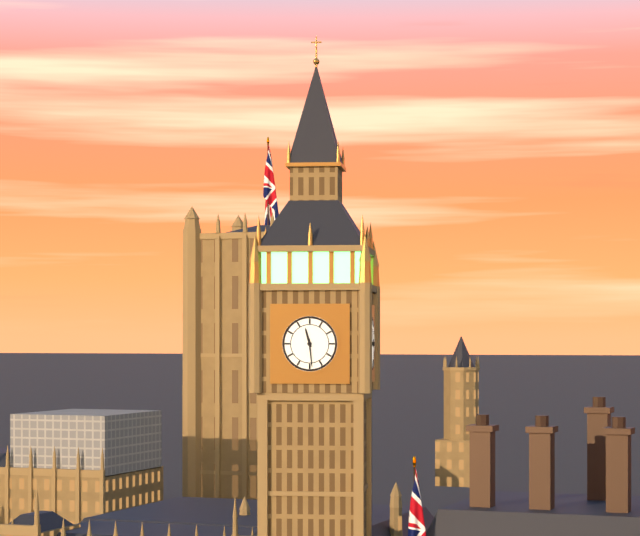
11:29
